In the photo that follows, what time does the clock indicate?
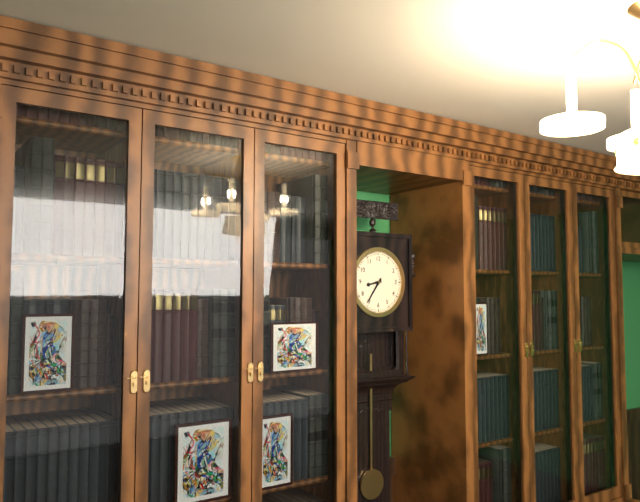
8:36
